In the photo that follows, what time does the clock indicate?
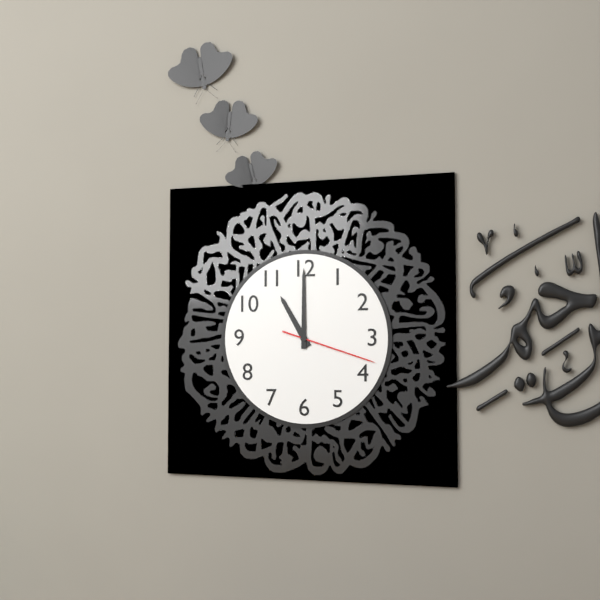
11:00:18
